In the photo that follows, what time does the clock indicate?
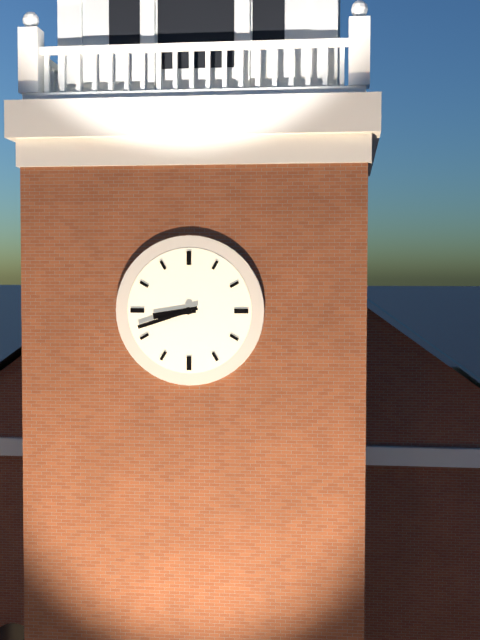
8:42
